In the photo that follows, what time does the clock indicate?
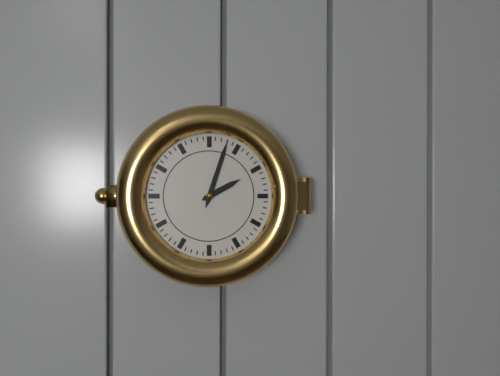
2:03
